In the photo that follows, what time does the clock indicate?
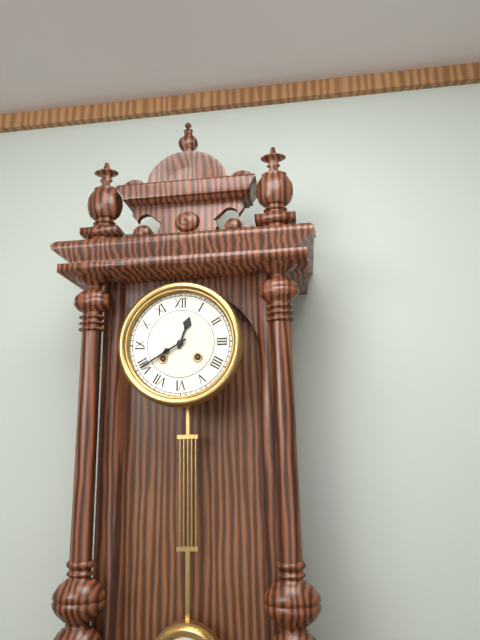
12:40
